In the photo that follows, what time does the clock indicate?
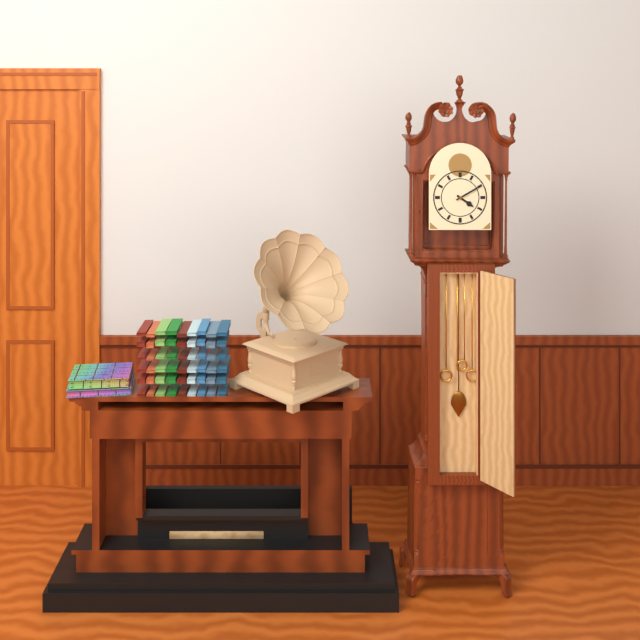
4:10
